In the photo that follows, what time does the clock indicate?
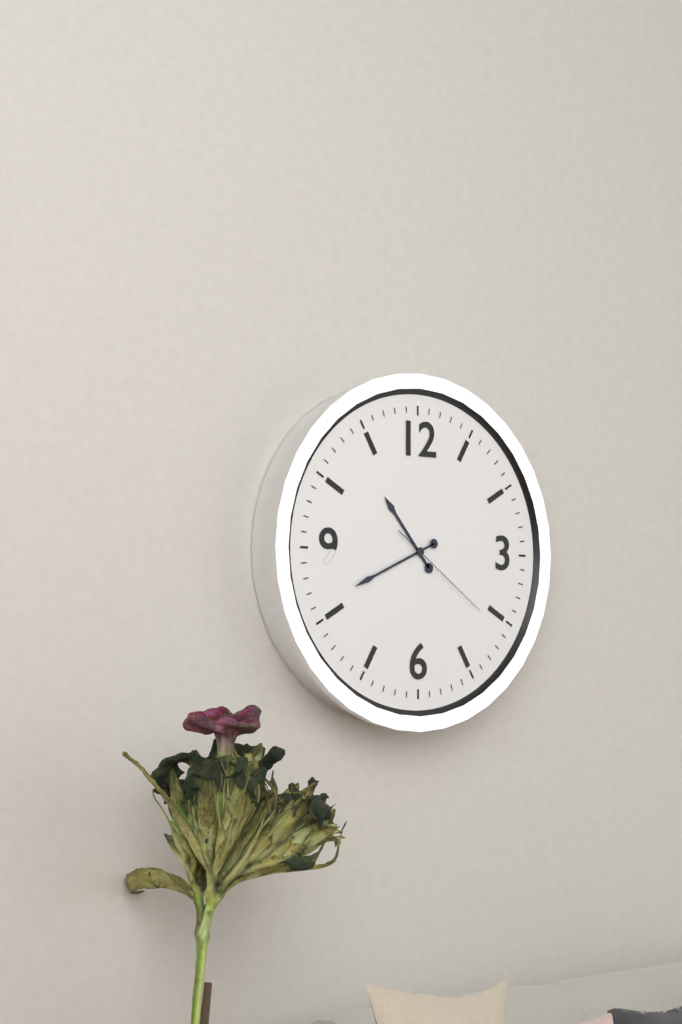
10:41:21
